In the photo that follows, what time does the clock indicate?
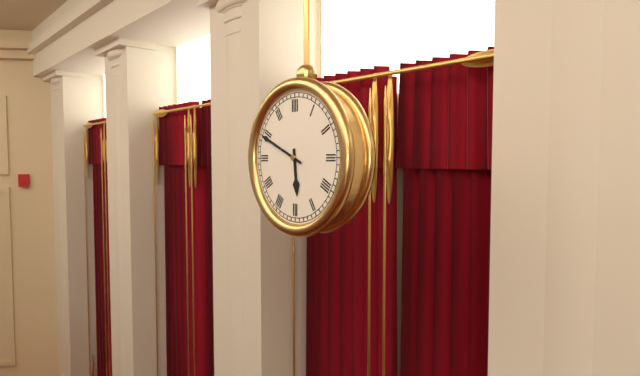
5:49
